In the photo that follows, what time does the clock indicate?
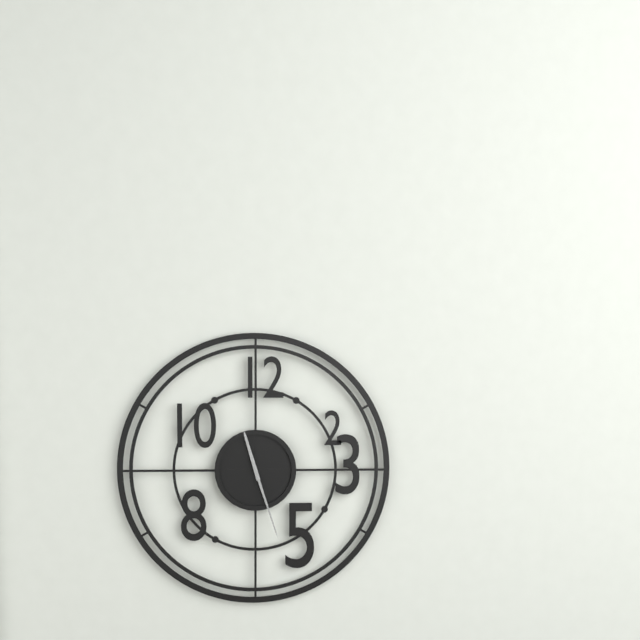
11:27
